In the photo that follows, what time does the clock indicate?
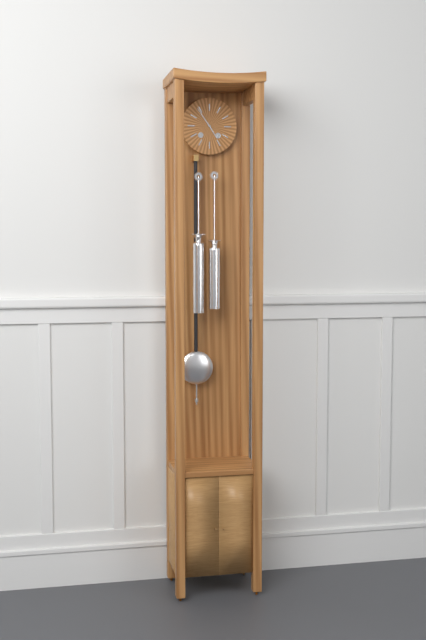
4:54
